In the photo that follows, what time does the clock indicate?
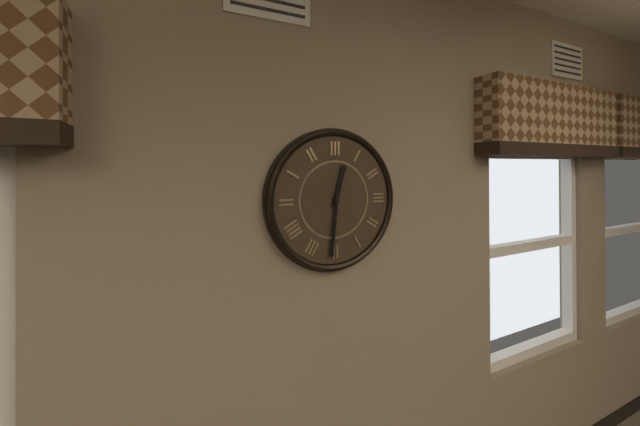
12:31
